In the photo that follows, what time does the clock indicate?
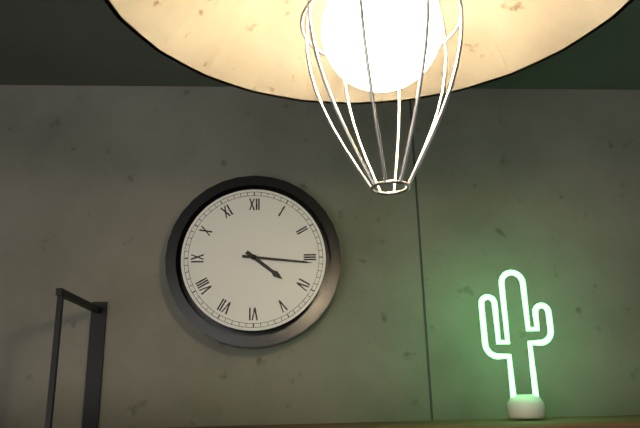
4:16
